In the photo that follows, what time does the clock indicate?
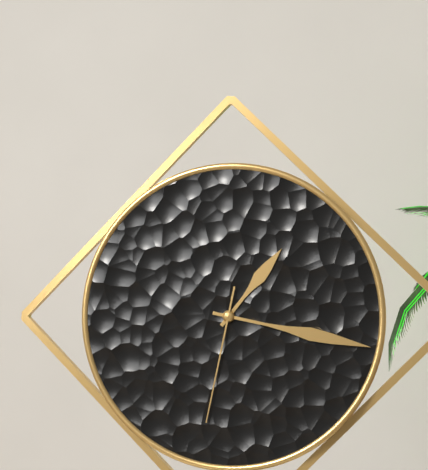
1:17:32
